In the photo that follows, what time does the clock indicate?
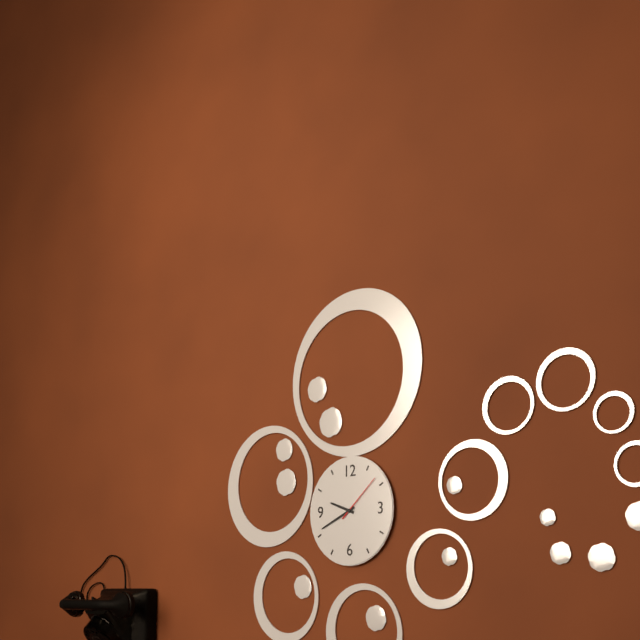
9:41
